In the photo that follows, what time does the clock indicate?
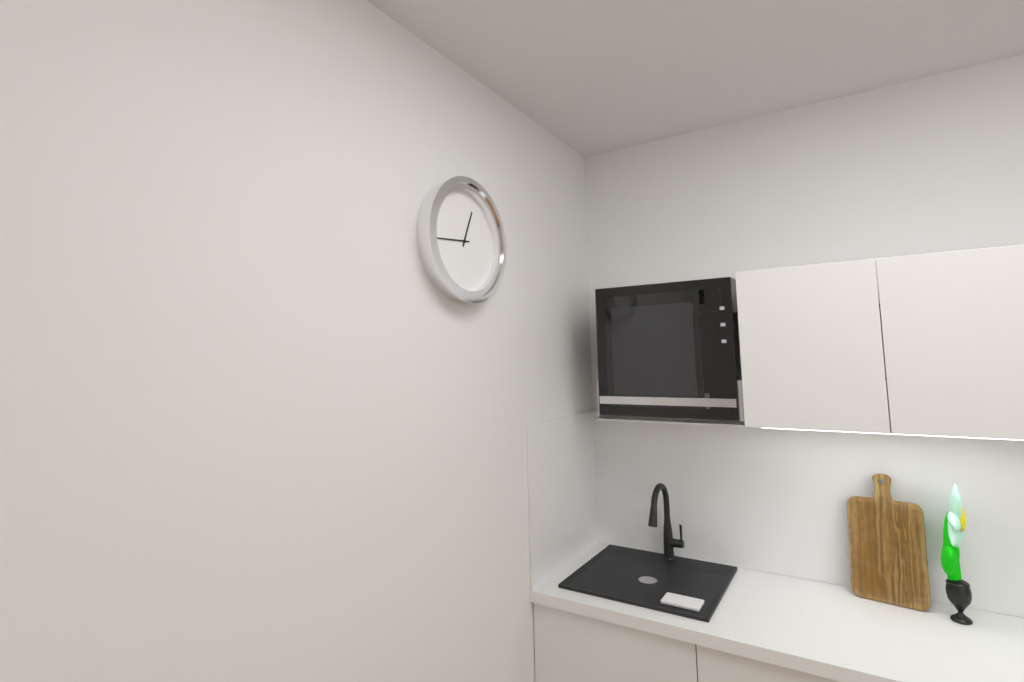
12:44
